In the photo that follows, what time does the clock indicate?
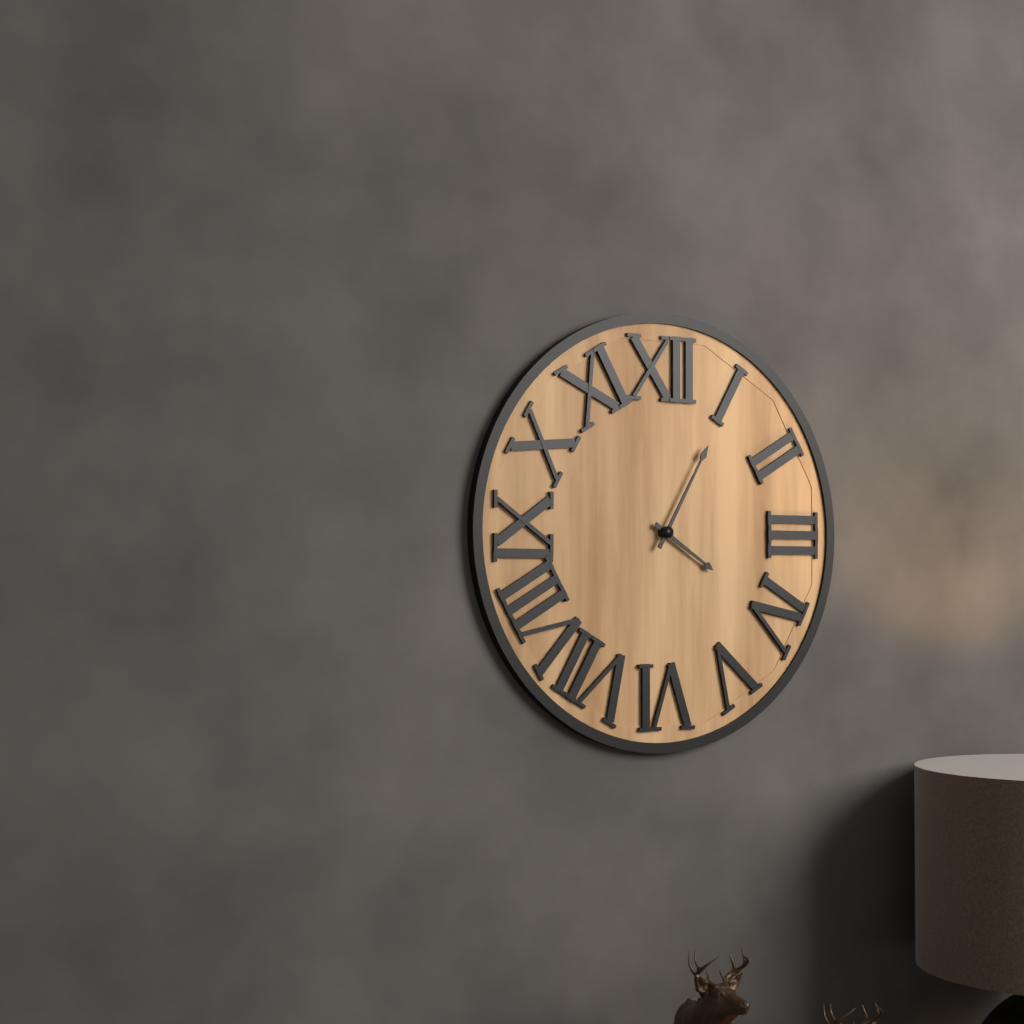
4:05
